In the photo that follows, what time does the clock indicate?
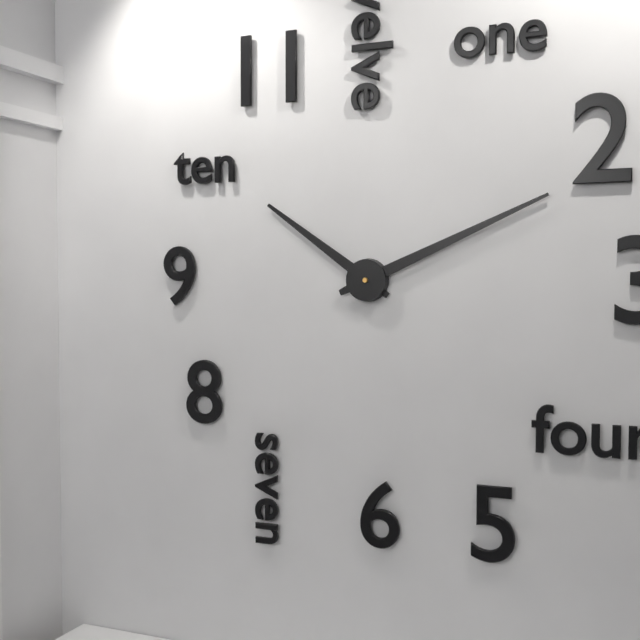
10:11
